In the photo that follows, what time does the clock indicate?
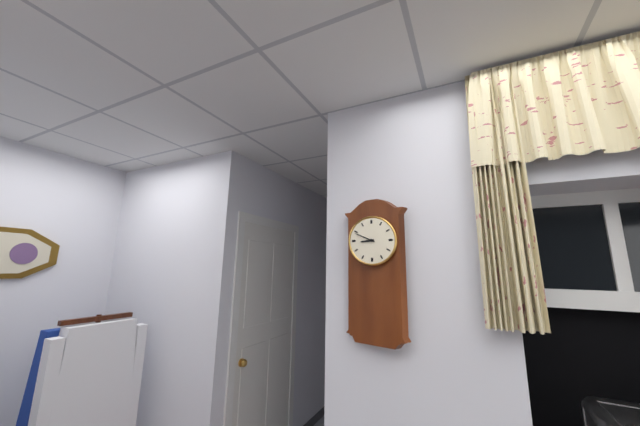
8:49
